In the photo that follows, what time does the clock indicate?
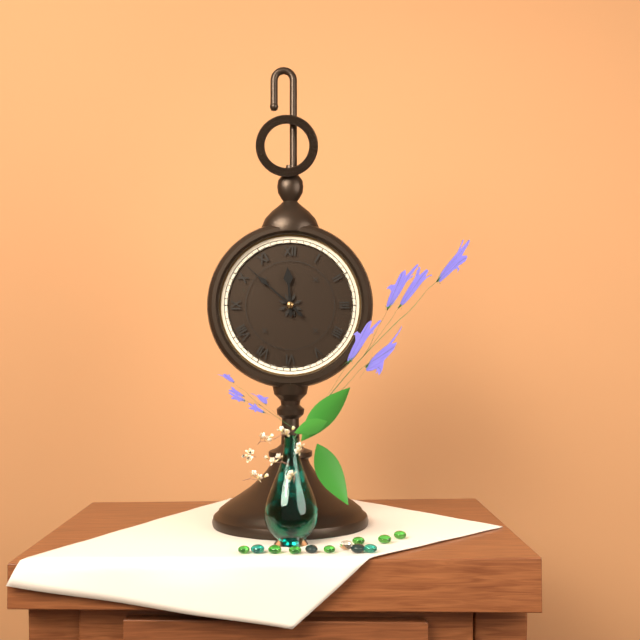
11:52
